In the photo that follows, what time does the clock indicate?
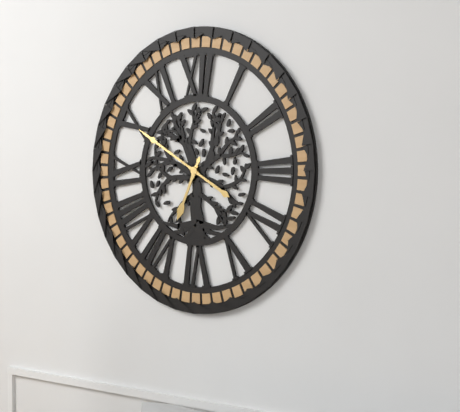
6:50
